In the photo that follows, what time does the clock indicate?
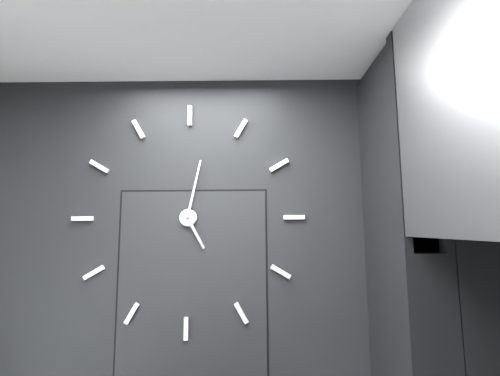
5:02
